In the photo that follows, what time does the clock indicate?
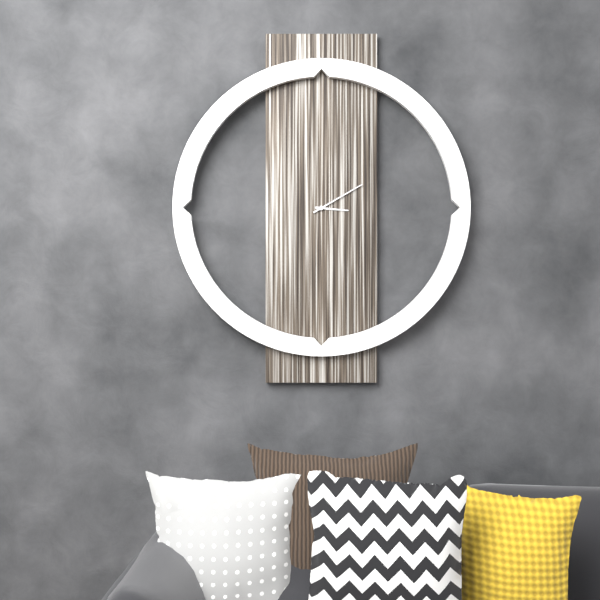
3:10
